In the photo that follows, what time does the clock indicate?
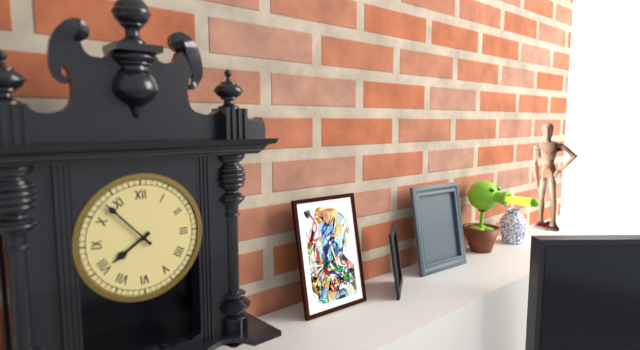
7:53
